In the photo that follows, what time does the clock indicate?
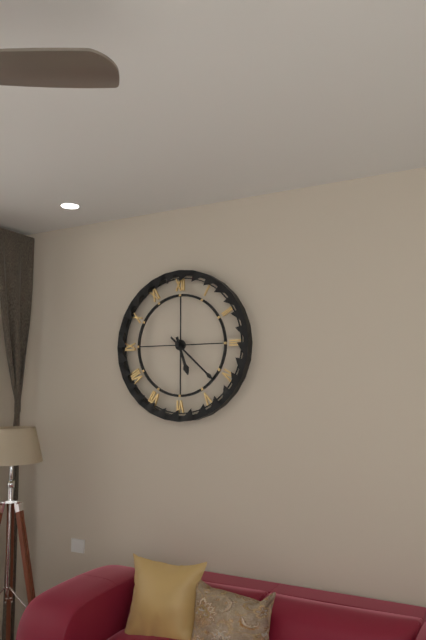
5:22
